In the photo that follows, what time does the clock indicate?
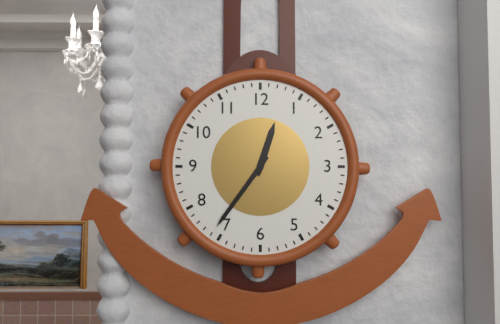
12:36
